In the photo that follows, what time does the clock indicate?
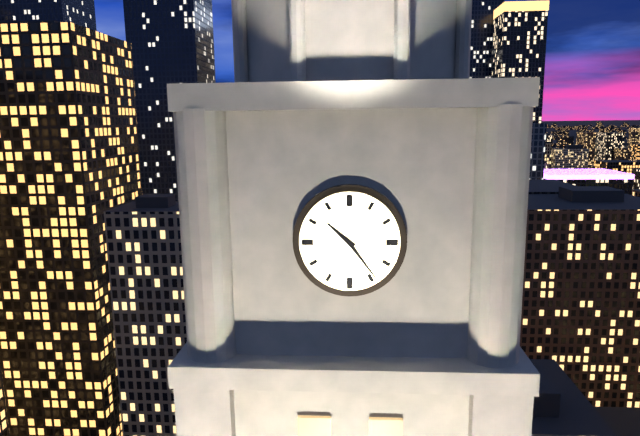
10:24
